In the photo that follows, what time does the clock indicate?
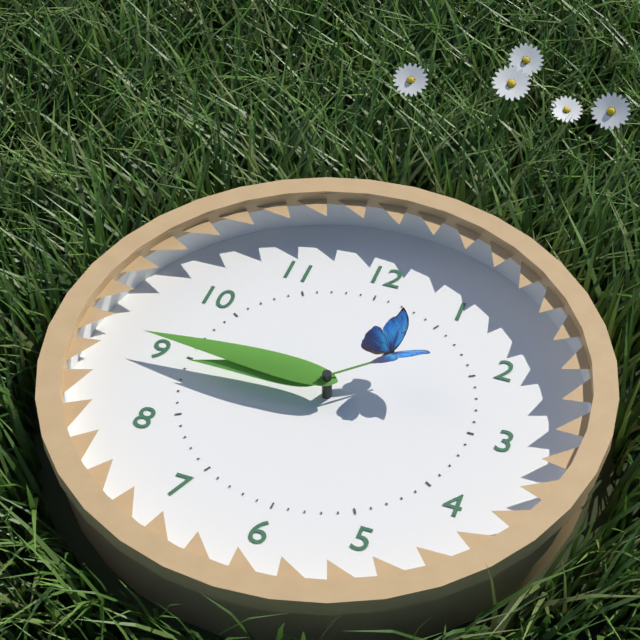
8:45:08
